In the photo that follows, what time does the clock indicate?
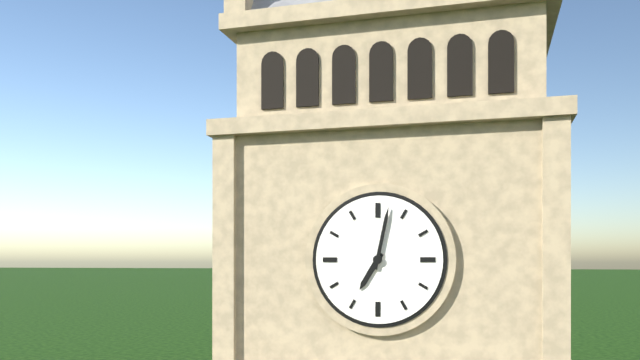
7:02
